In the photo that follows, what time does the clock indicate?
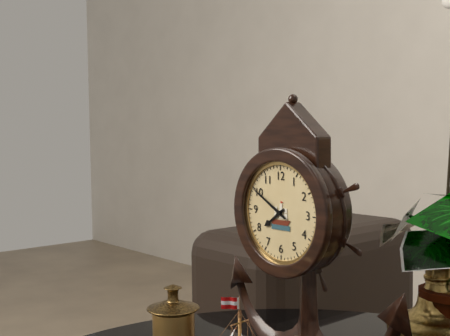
7:50
